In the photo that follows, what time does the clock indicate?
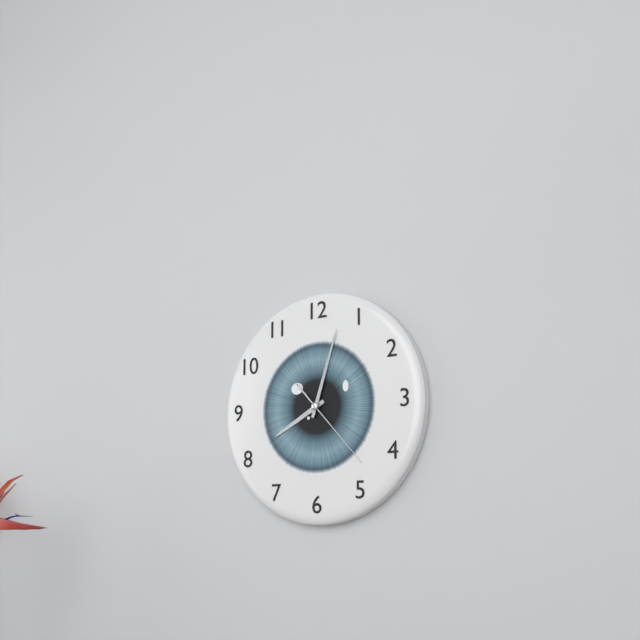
8:03:23
